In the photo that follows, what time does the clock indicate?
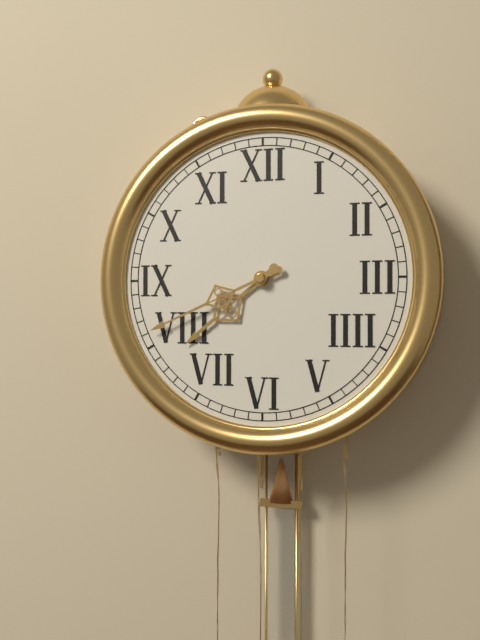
7:41
